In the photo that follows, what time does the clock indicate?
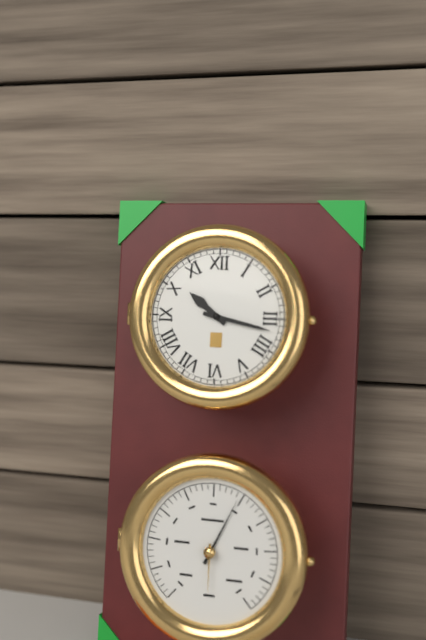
10:17
